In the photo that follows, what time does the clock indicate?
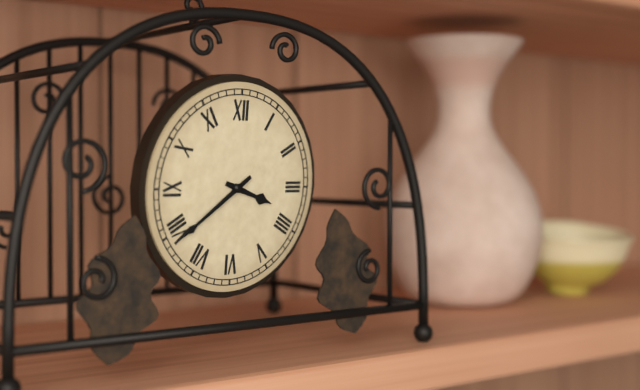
3:39
